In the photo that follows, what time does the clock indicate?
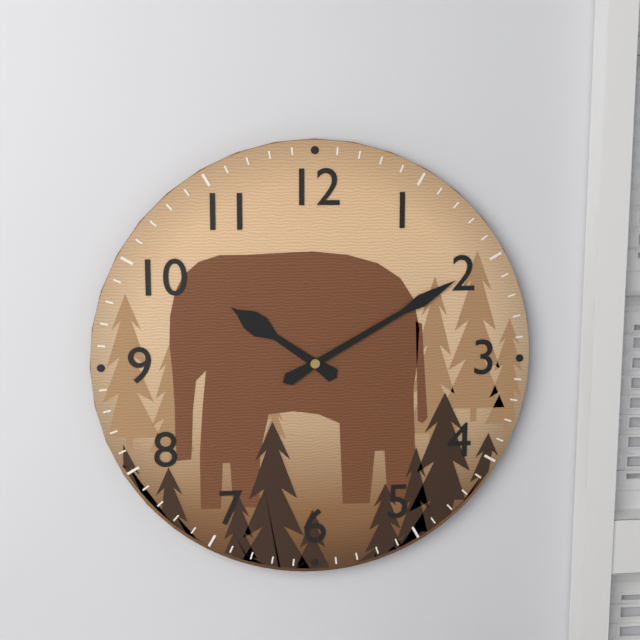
10:10
